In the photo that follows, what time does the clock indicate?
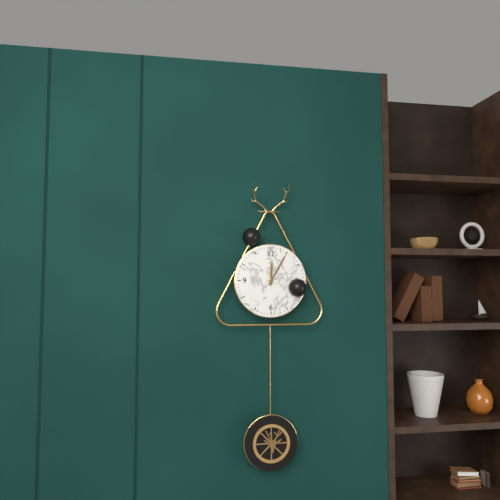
12:05
